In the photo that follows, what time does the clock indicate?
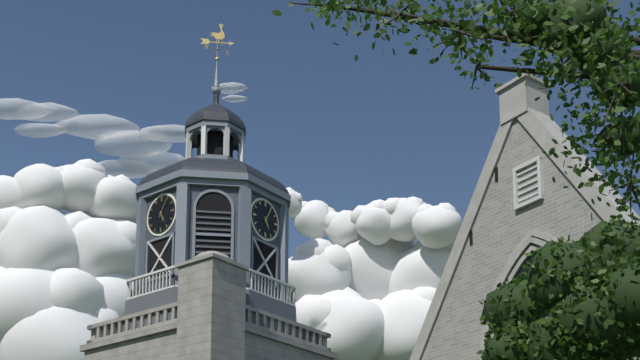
5:05
